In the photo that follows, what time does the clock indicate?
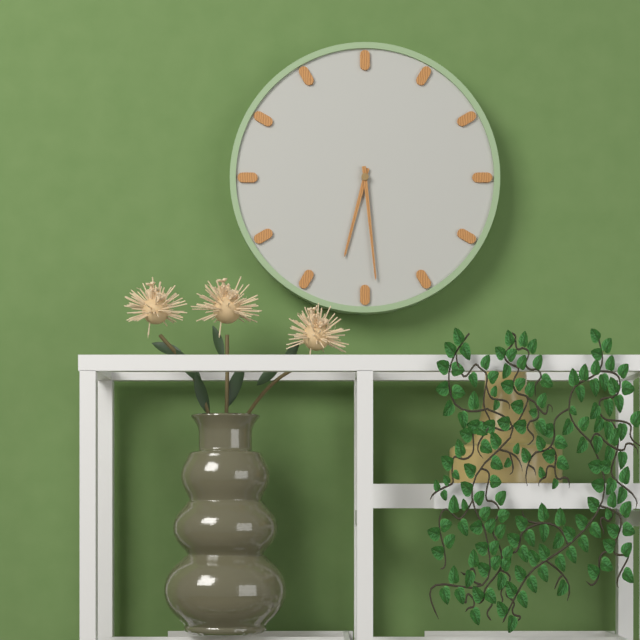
6:29
